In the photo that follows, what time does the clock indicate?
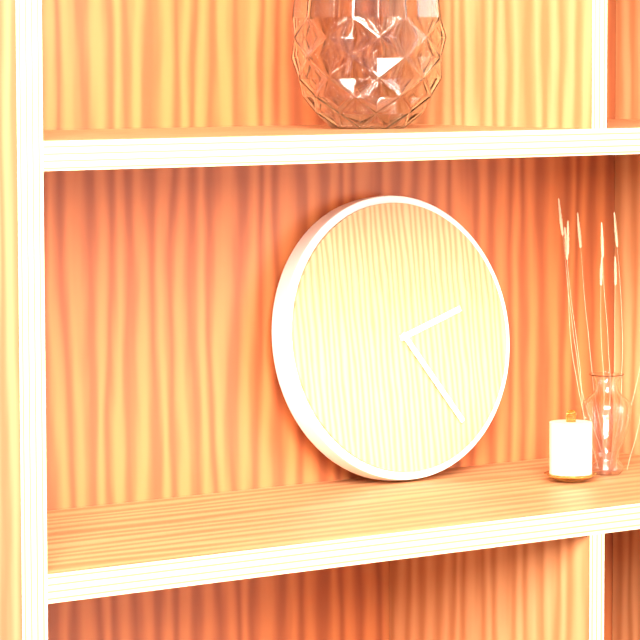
2:24
